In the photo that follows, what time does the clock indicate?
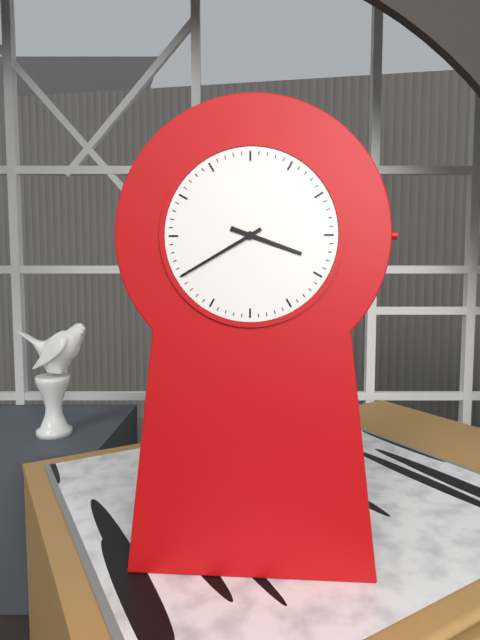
3:40
